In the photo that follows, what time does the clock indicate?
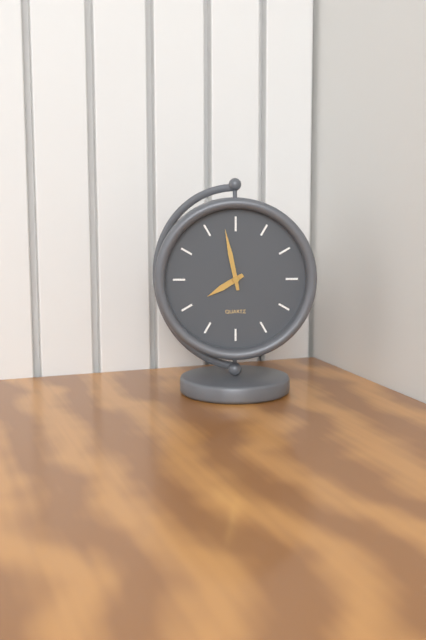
7:58
